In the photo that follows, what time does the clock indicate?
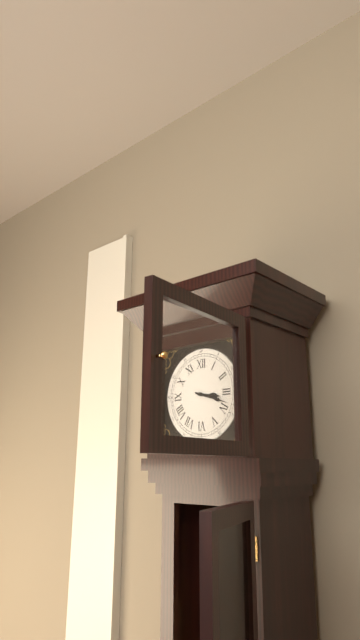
3:18
